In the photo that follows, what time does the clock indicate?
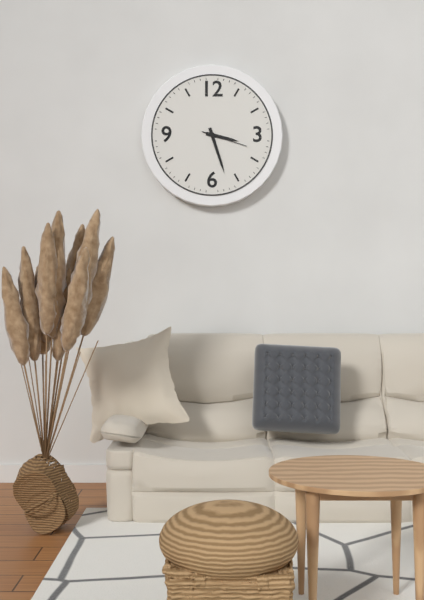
3:27
